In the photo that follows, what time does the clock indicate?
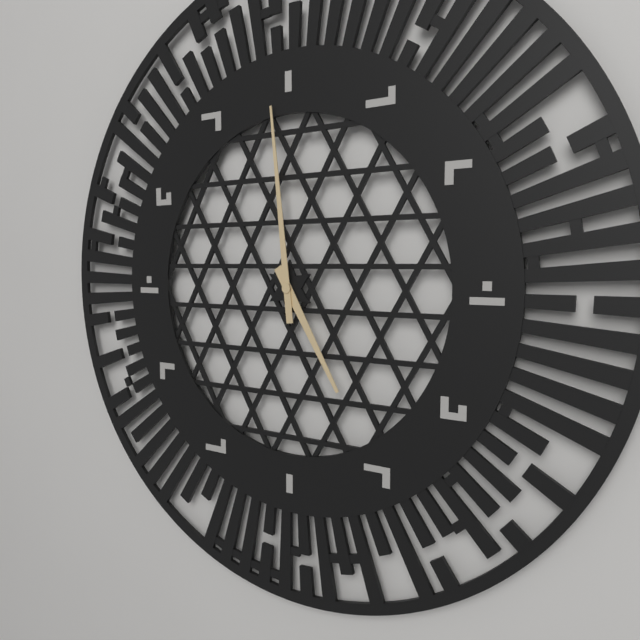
4:59
